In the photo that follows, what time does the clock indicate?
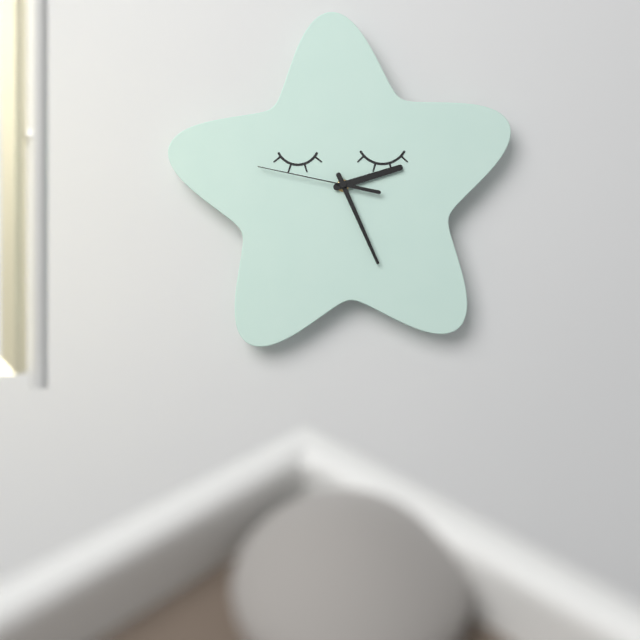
2:26:47
